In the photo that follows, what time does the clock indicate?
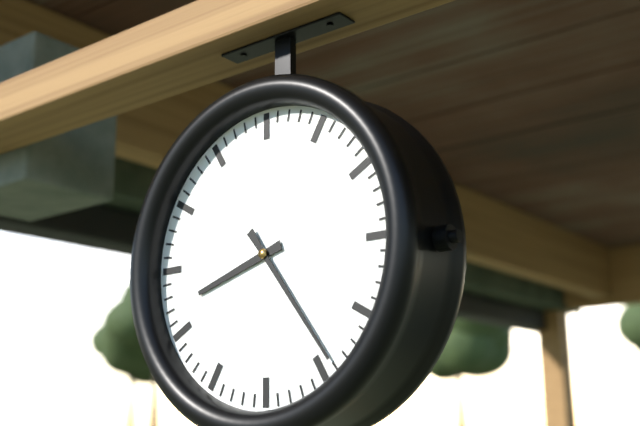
8:24
